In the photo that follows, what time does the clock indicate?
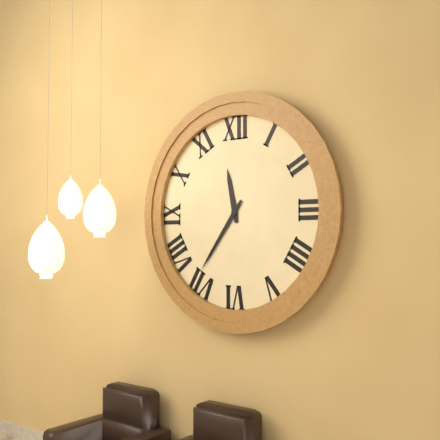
11:36
